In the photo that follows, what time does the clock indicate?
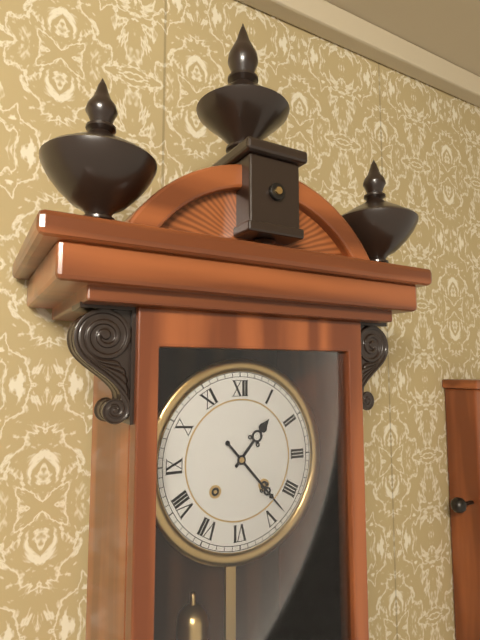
1:23
